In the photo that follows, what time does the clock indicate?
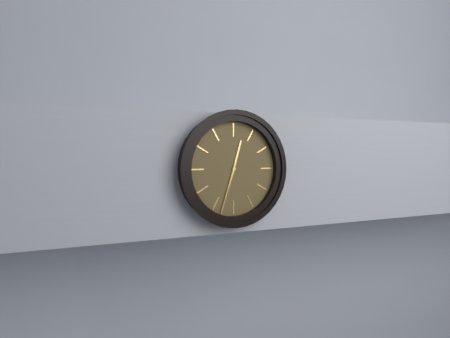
12:33
